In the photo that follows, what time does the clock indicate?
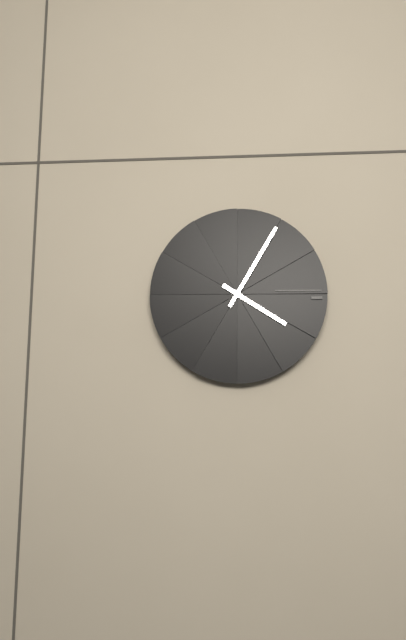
4:05
